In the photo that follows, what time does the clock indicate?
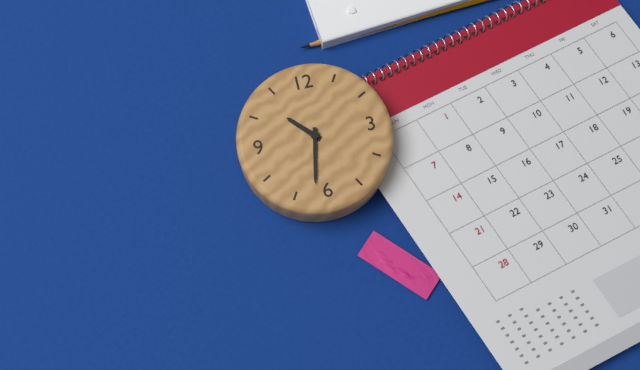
10:32
